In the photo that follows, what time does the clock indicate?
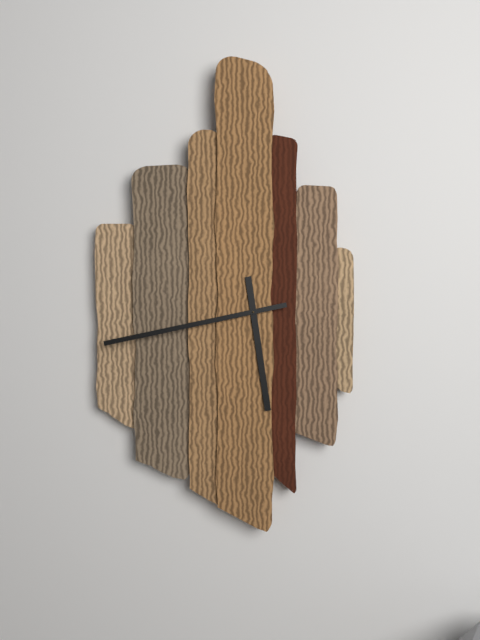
5:43
